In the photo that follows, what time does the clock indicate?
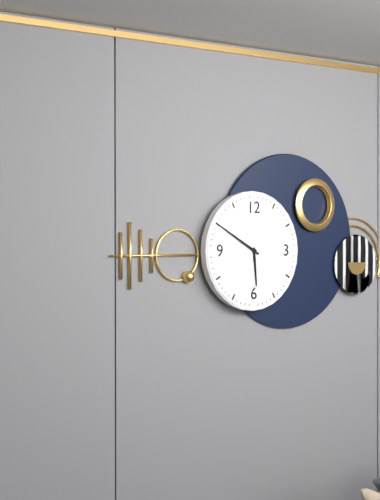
5:50
